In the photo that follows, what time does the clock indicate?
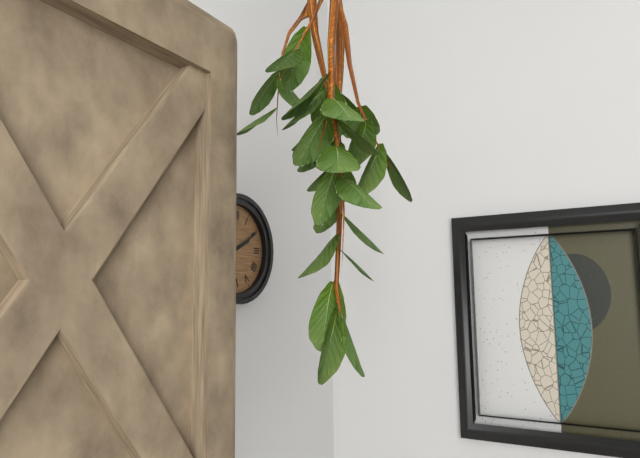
2:10
